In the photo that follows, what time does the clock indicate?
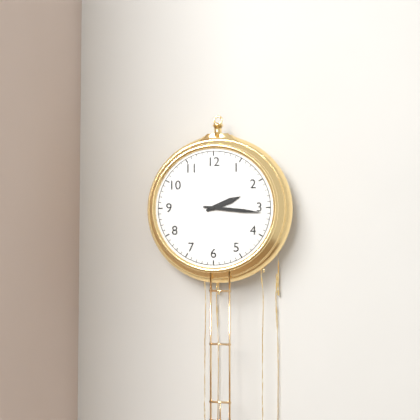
2:16
